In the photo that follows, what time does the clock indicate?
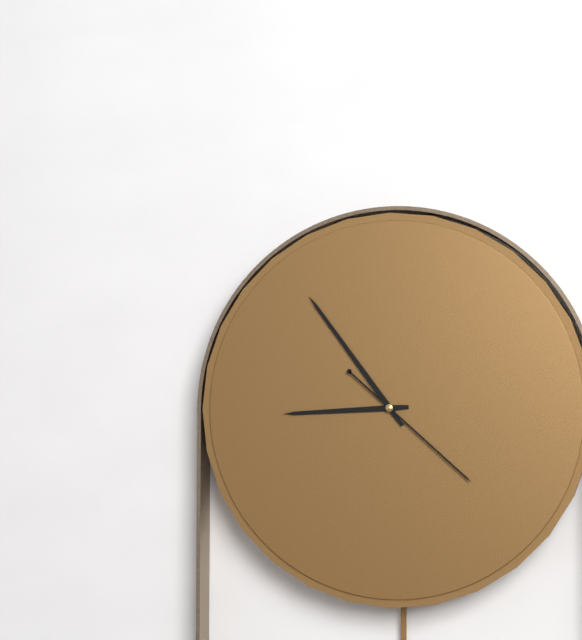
8:54:22
